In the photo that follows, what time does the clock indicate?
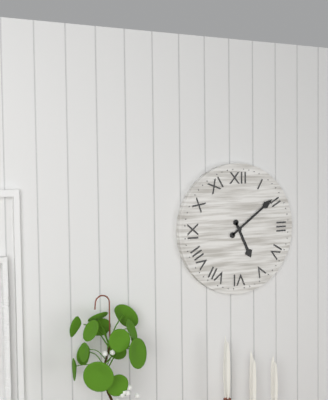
5:09
